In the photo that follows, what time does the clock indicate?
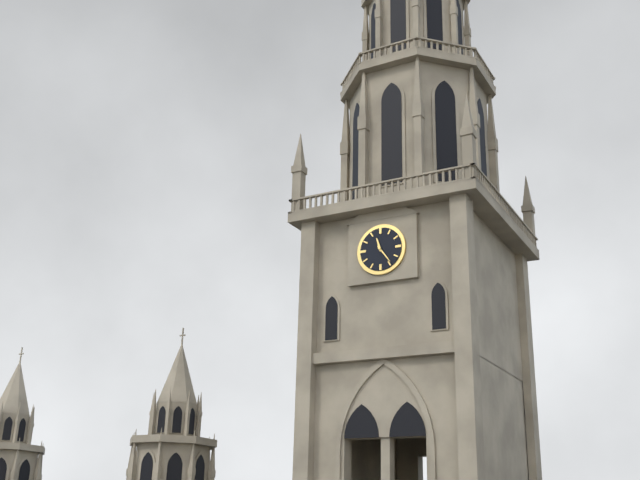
11:24
